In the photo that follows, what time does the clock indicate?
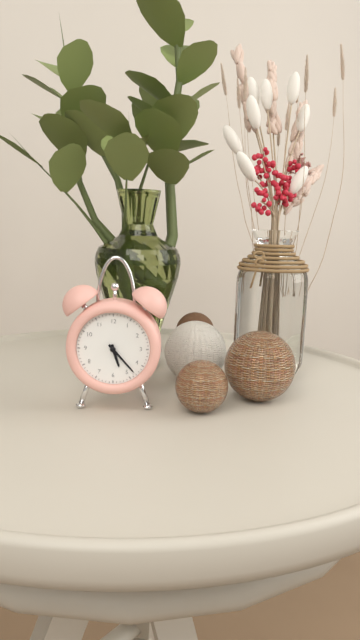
5:23
